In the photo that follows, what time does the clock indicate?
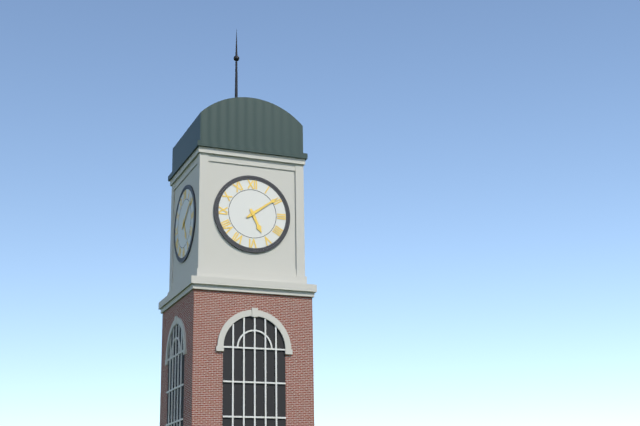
5:09
